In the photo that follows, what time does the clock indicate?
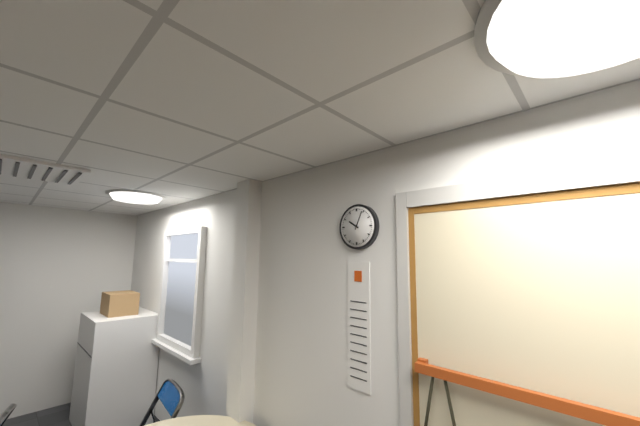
10:04
